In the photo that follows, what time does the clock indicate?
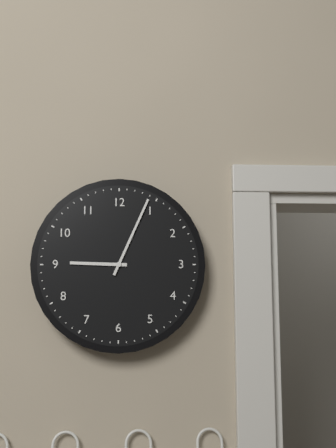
9:04
